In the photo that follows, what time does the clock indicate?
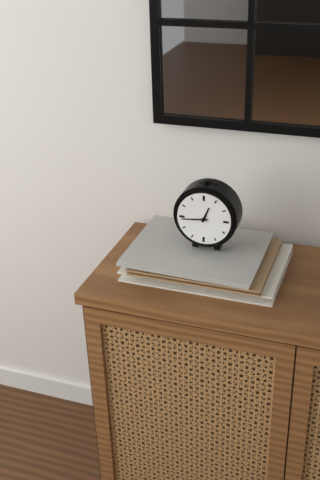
12:44
